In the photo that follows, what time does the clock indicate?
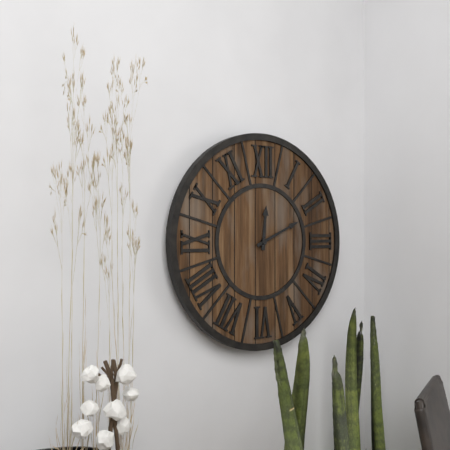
12:11
